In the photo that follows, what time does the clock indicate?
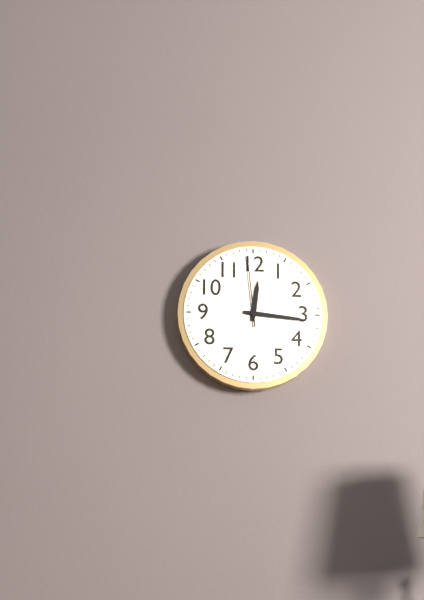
12:16:59
